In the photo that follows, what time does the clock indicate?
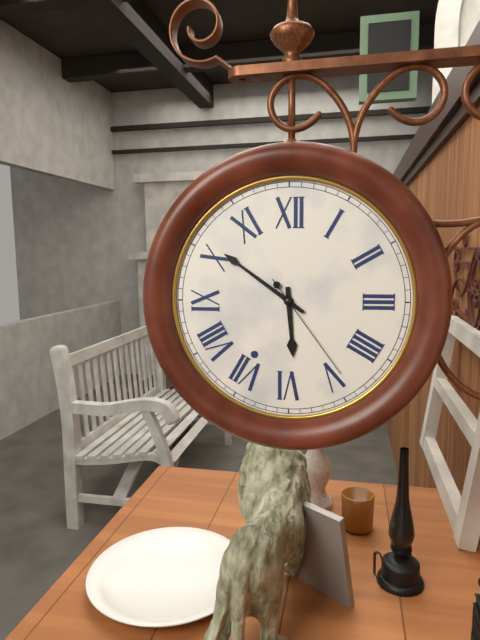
5:51:24
